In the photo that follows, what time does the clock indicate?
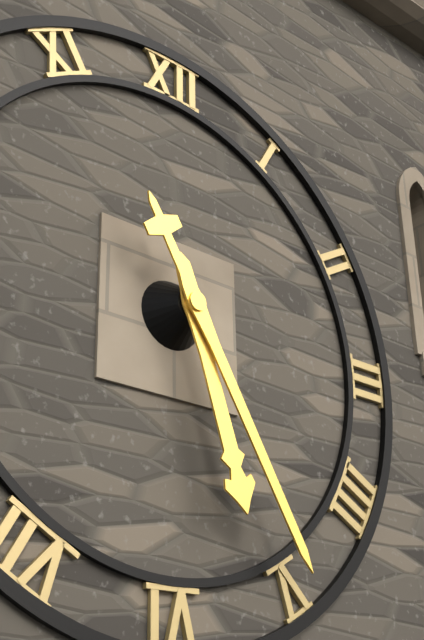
5:25
